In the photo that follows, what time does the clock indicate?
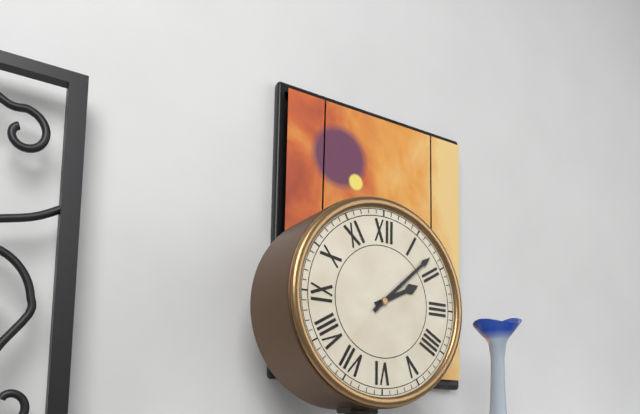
2:08
